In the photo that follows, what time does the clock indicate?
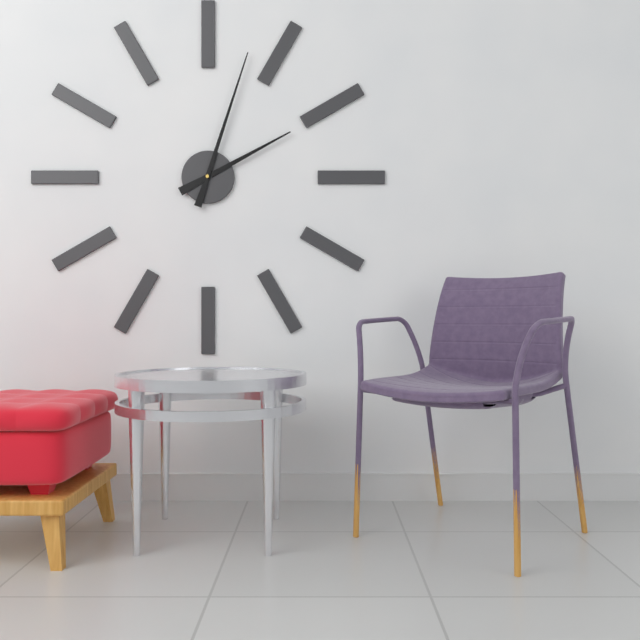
2:03
